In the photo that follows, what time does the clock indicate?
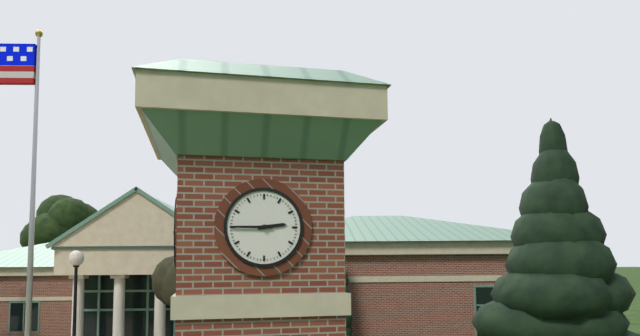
2:45
